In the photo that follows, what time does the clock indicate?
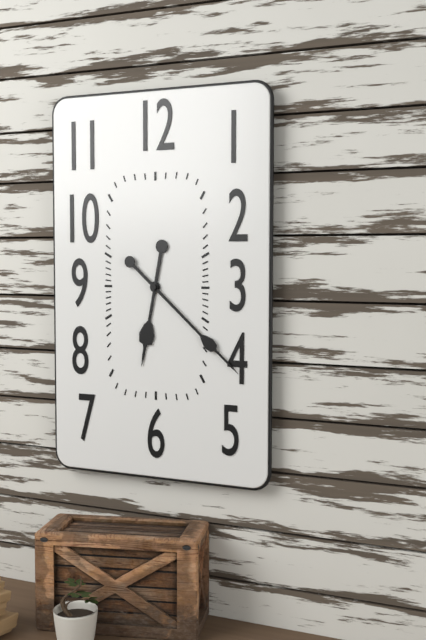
6:22
